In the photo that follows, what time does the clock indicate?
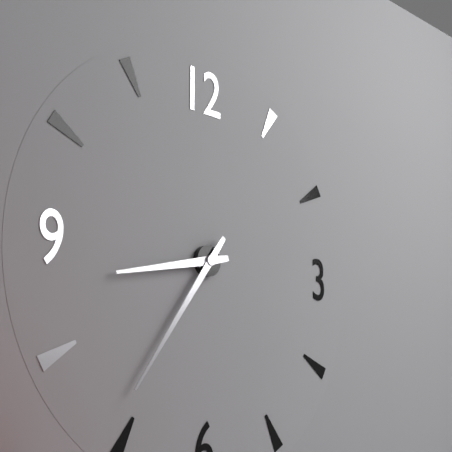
8:36
